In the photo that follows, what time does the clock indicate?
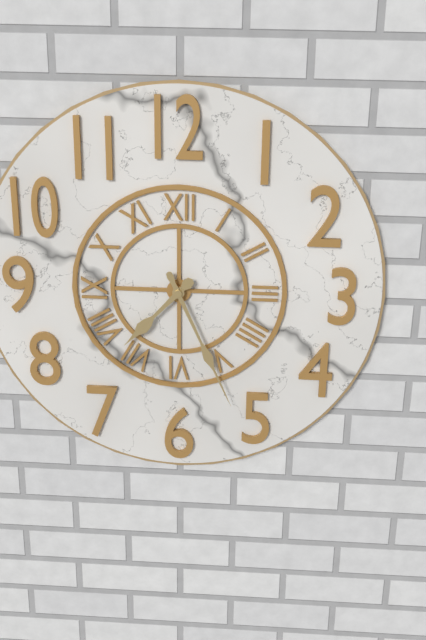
7:26
